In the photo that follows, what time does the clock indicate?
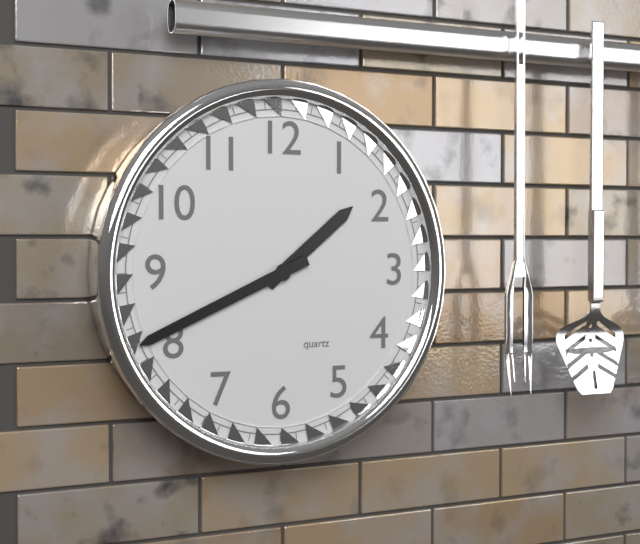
1:41
